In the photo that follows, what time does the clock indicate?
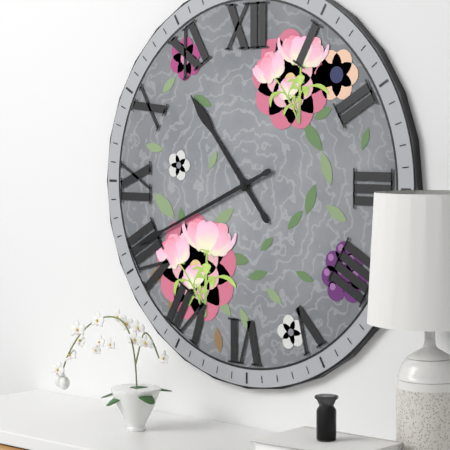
10:41
